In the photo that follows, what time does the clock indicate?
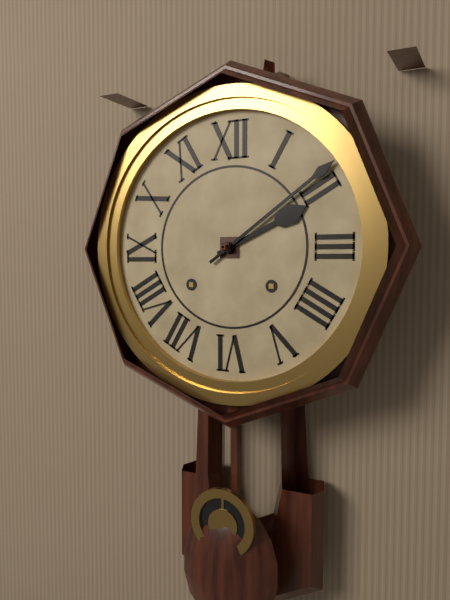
2:09
